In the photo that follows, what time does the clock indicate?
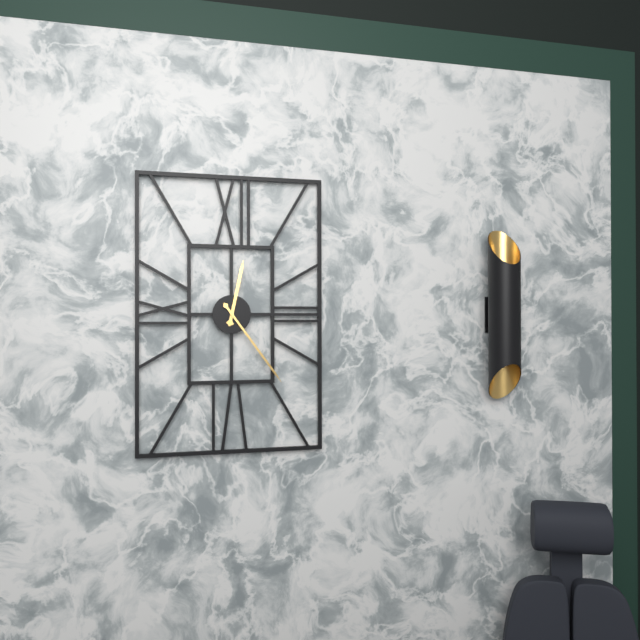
12:24
